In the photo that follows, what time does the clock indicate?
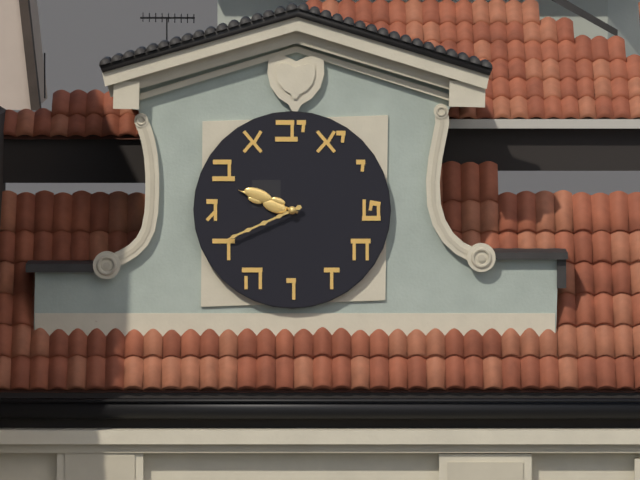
9:41
